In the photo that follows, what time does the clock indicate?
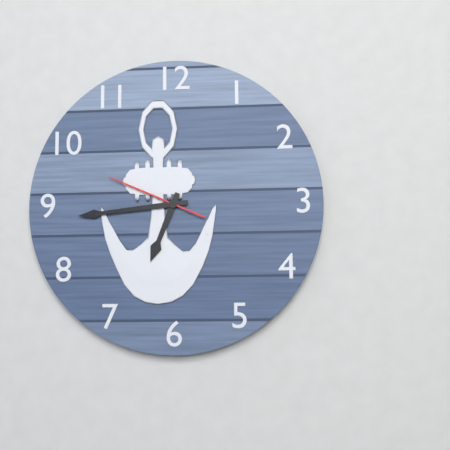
6:44:49
